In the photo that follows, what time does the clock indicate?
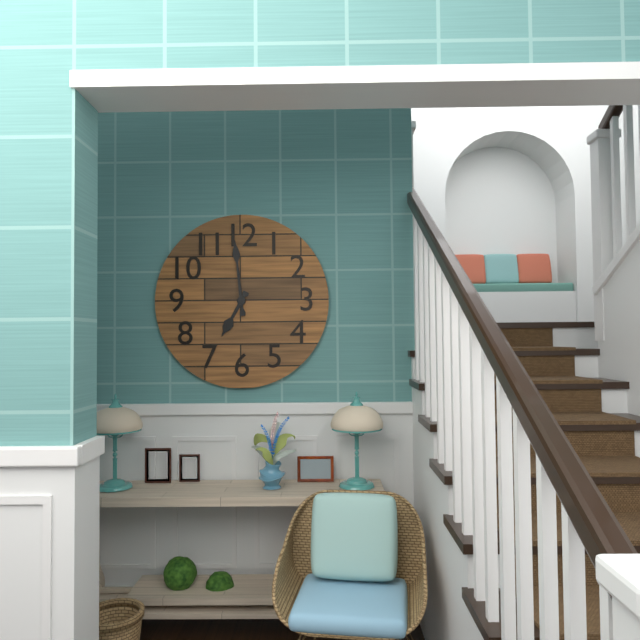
6:59
